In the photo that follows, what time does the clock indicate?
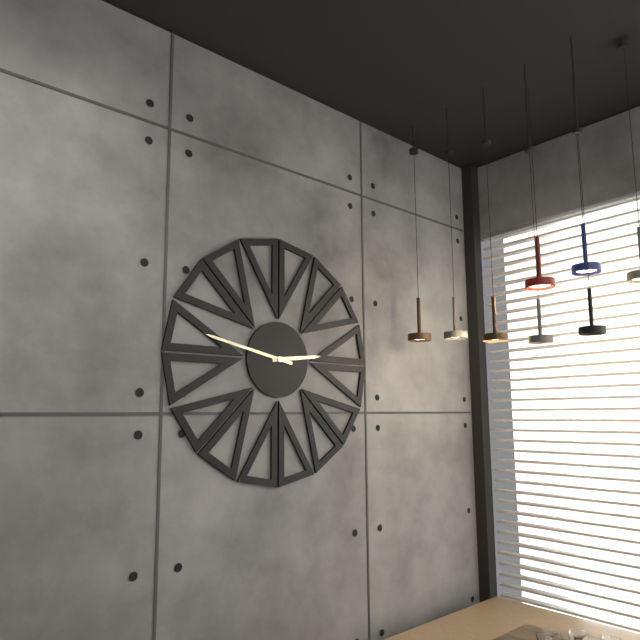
2:47
